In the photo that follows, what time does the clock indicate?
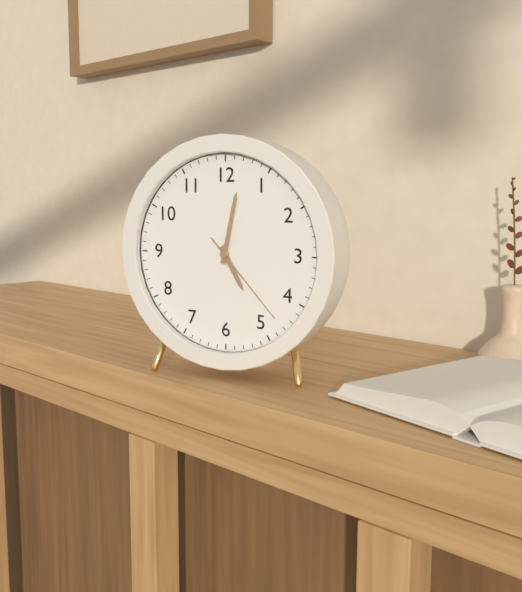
5:02:23
